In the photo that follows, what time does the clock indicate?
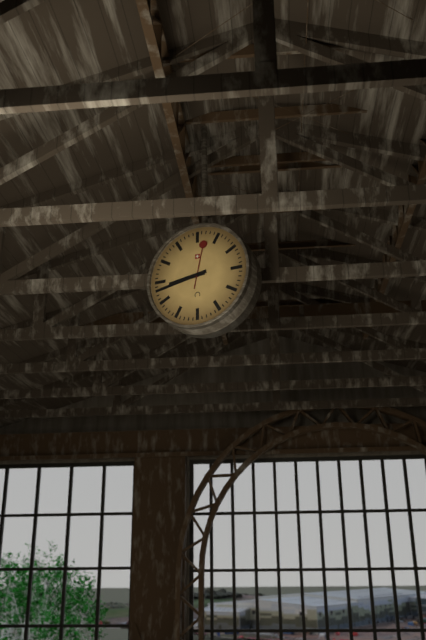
8:43
